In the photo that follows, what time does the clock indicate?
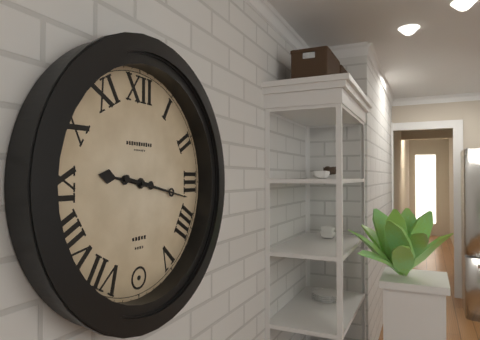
9:17
